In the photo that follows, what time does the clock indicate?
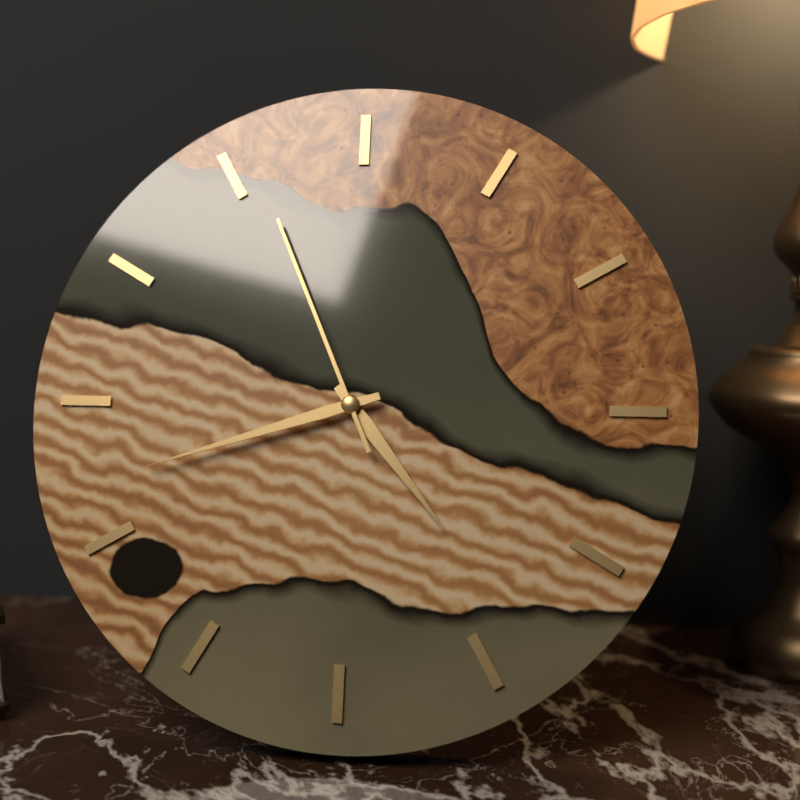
4:42:56
